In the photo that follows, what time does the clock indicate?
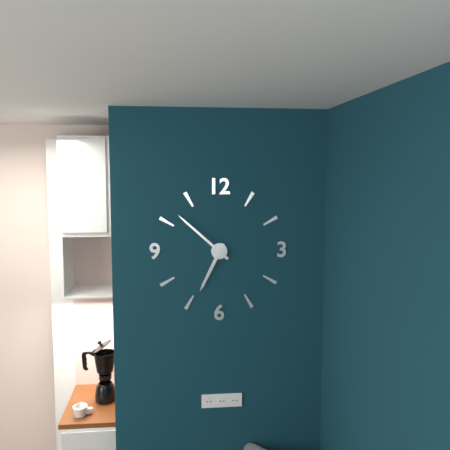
6:52
